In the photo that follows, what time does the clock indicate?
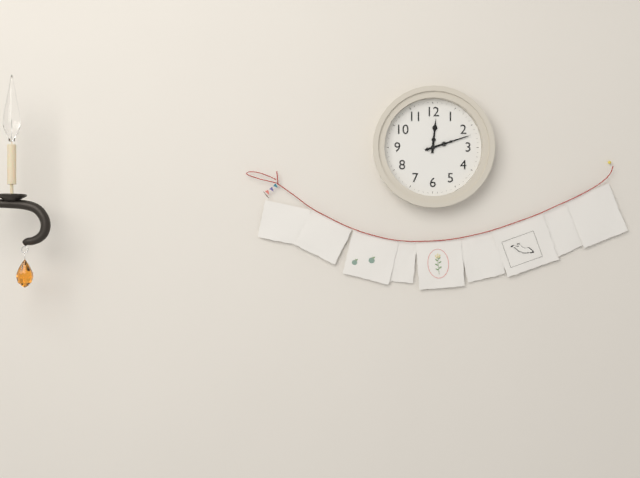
12:12
